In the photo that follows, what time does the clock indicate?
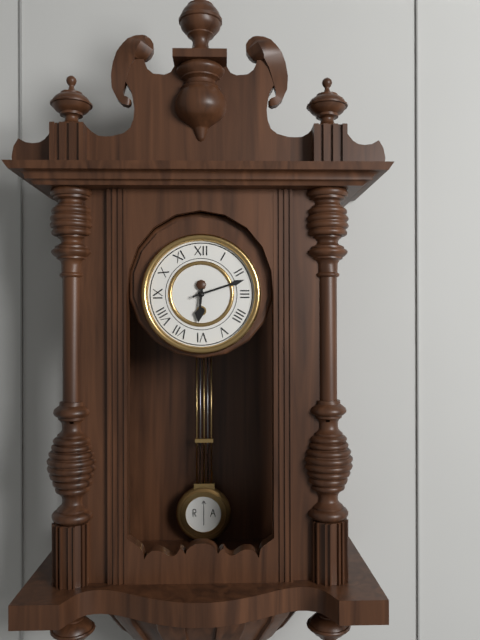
6:12
